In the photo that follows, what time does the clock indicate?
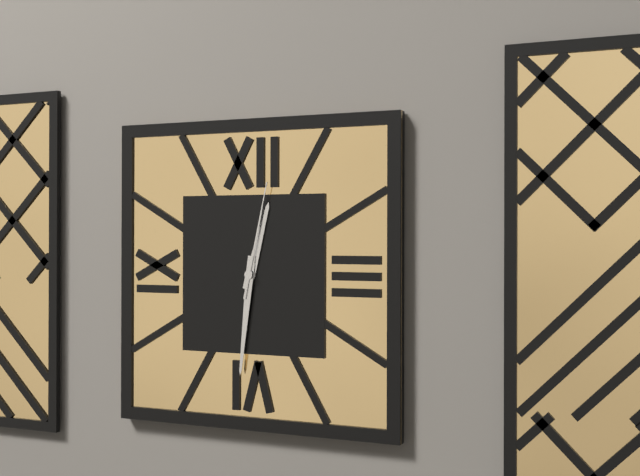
12:31:02
